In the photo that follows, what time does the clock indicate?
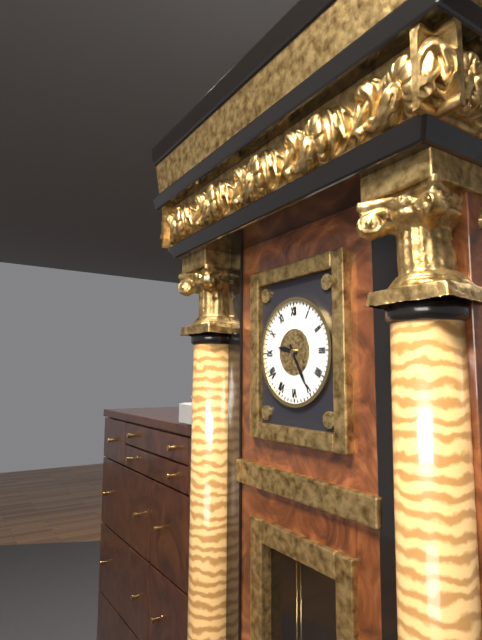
9:25
